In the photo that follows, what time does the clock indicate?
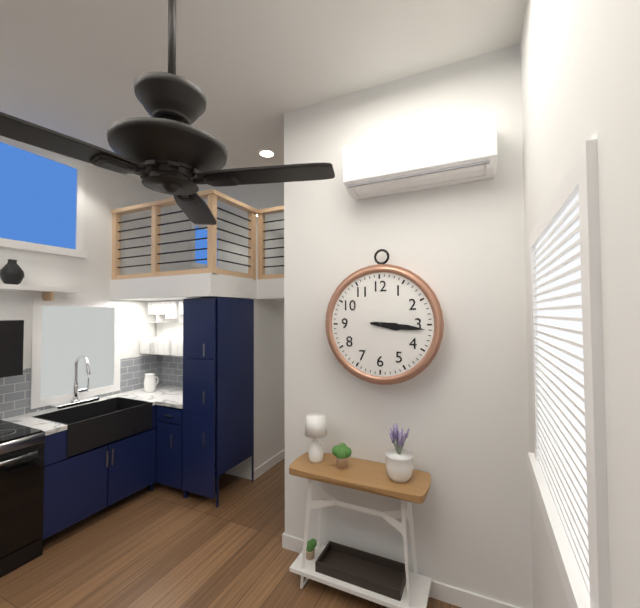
3:16
